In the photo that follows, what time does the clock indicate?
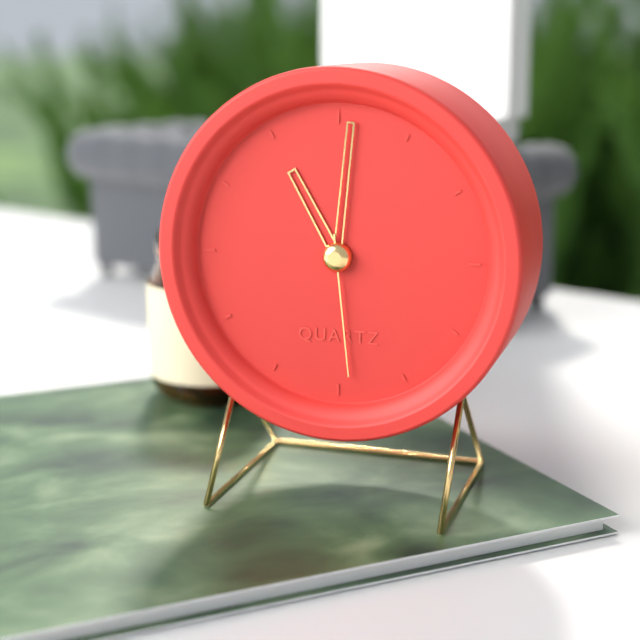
11:01:29
